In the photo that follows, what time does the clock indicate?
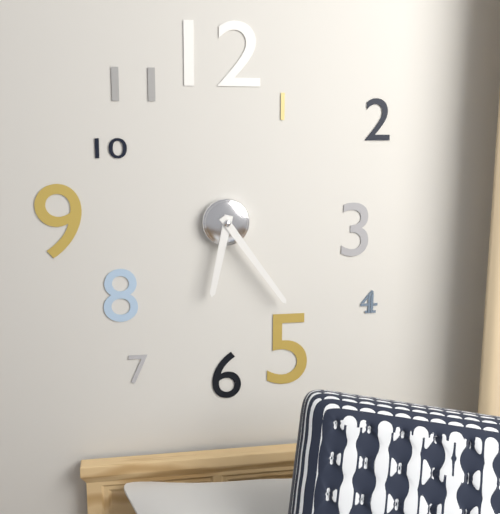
6:24
